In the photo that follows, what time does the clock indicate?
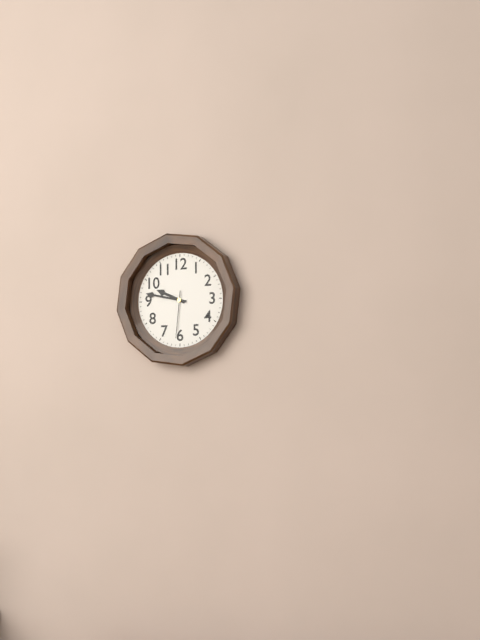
9:47
